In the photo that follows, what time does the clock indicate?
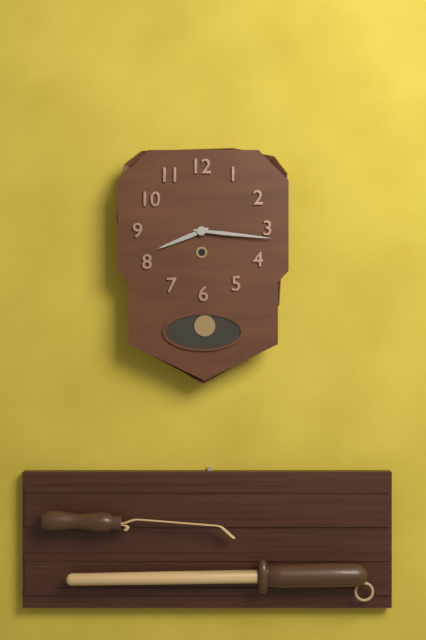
8:16
